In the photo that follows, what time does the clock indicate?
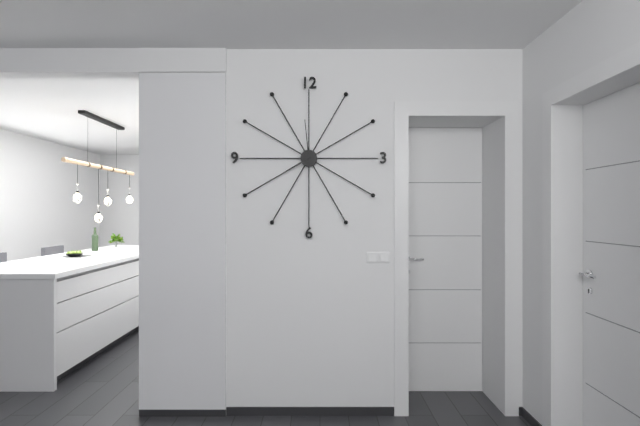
7:59
